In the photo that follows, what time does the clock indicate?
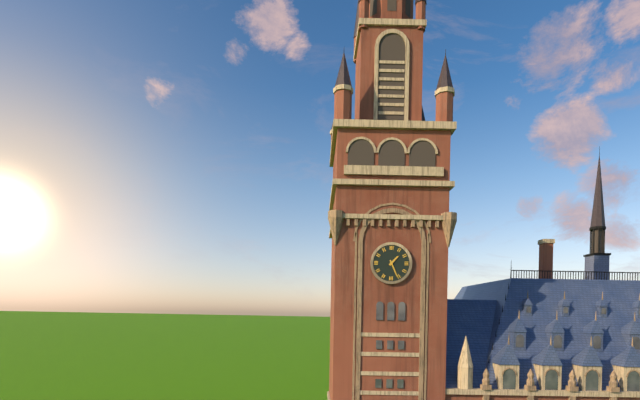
1:26
